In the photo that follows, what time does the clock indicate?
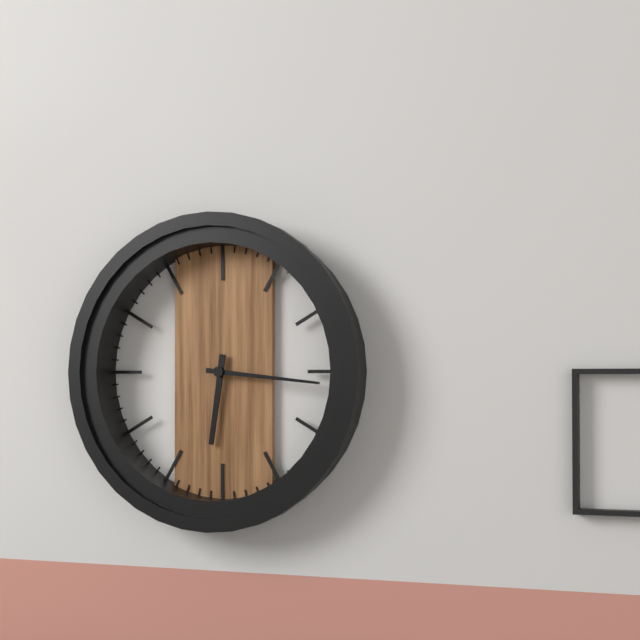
6:16
